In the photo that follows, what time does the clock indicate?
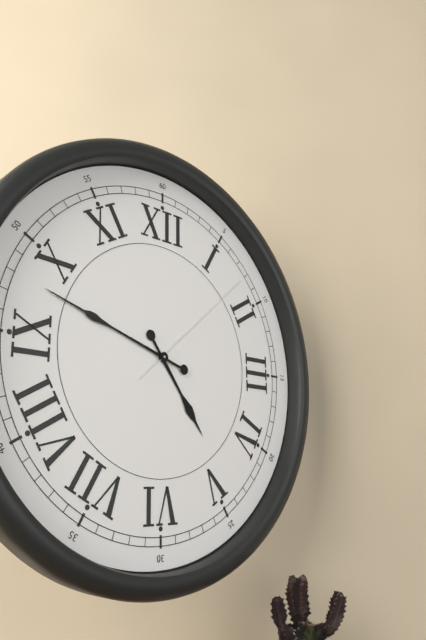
4:48:08
